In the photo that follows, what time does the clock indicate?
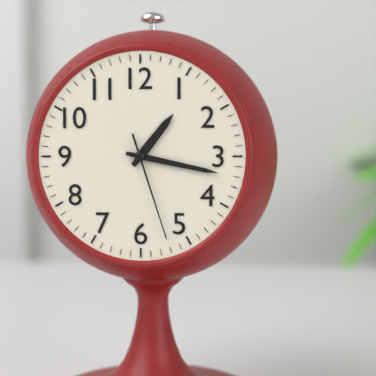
1:17:27
